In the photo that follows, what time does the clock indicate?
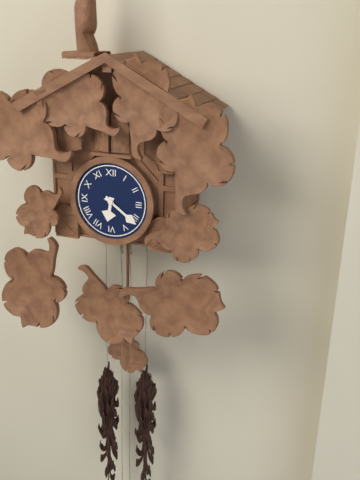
6:21
